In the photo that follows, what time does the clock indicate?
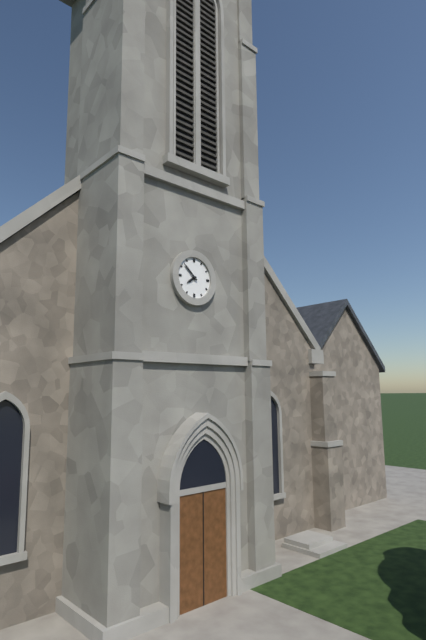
7:52
